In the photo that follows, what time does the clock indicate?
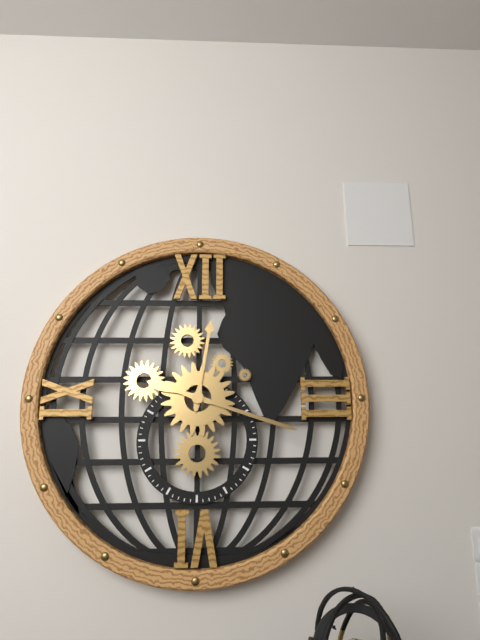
12:18
